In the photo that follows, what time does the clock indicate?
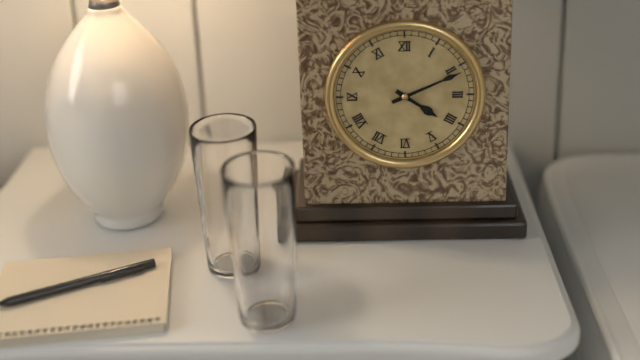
4:11
